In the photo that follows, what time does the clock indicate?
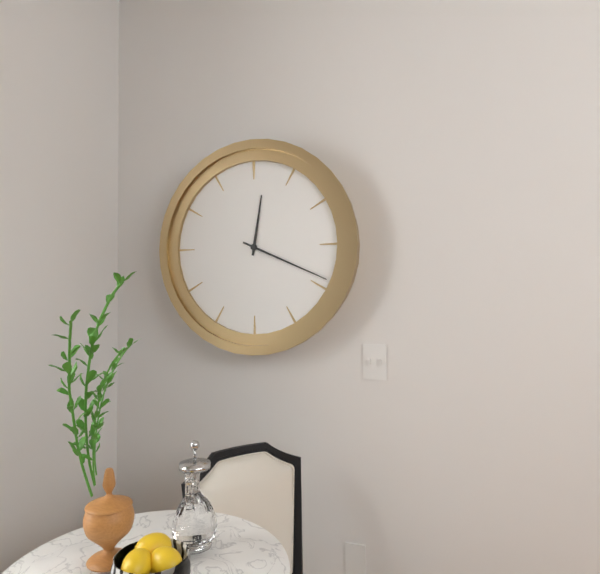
12:19
